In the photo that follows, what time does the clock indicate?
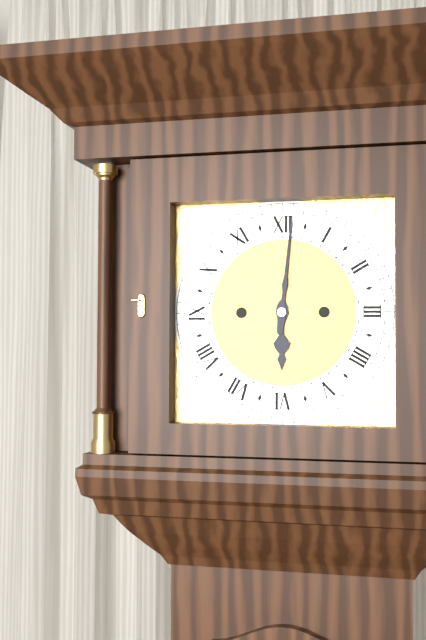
6:01
